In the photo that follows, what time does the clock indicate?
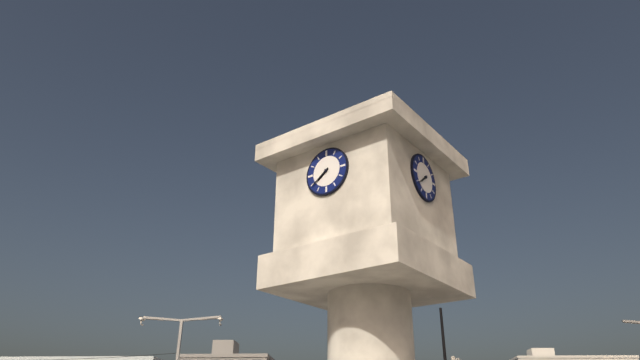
7:39
